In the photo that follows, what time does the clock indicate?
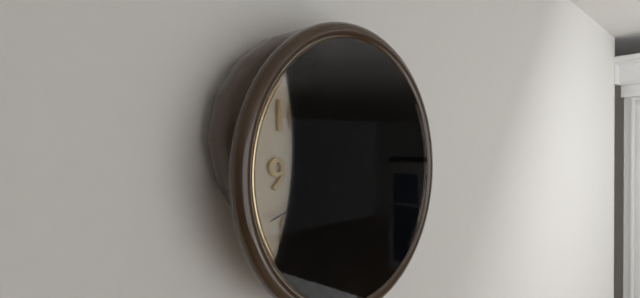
10:10:42
